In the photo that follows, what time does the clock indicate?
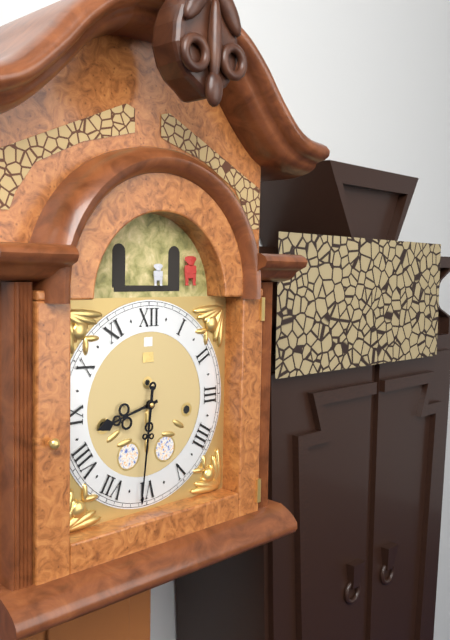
8:31
